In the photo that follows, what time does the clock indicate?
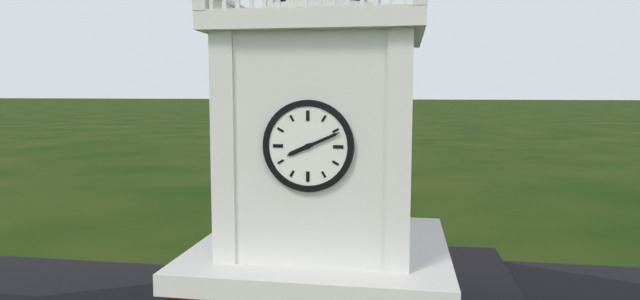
8:11
